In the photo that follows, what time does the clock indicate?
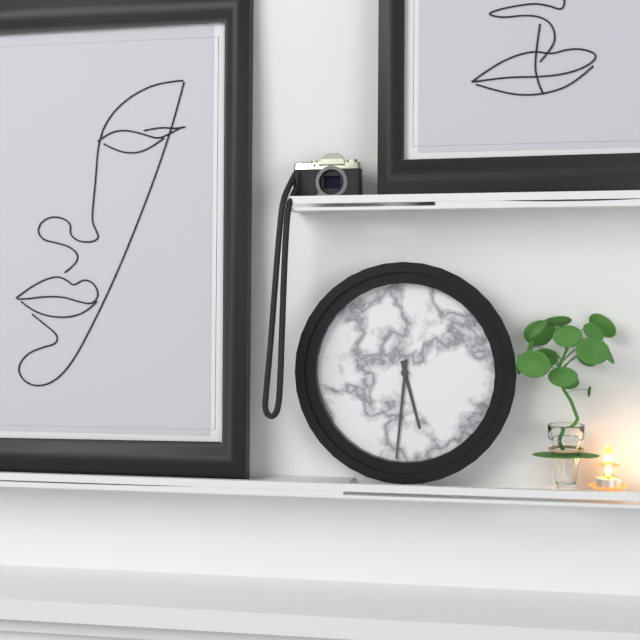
5:31
